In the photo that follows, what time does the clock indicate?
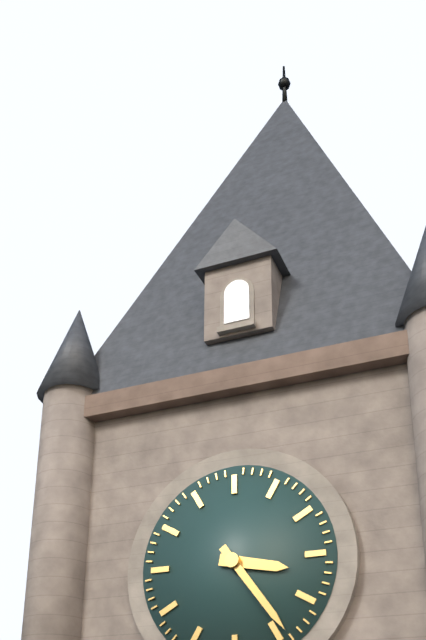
3:24
